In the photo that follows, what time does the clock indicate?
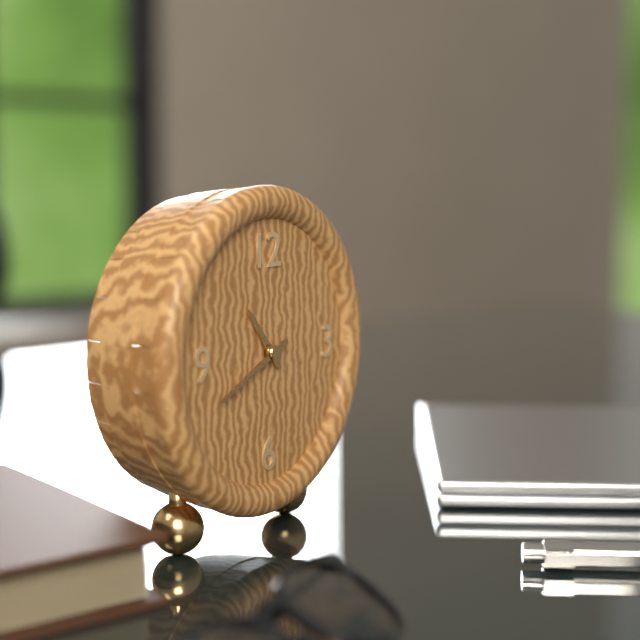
10:41
